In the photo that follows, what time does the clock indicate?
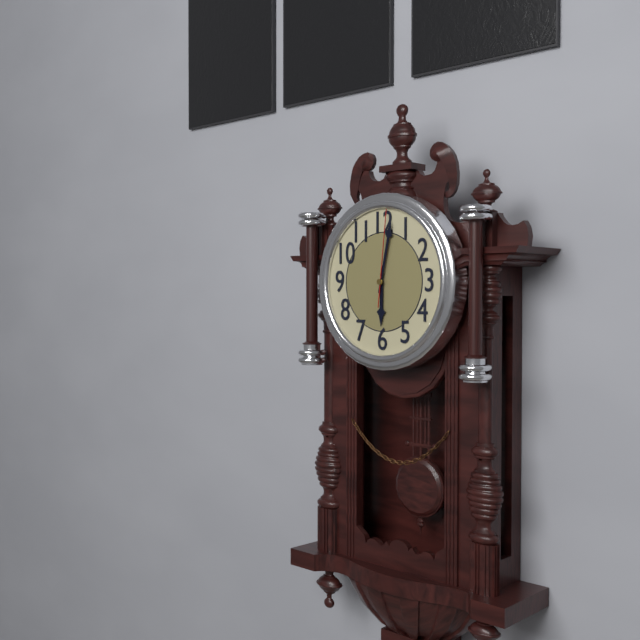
6:02:01
